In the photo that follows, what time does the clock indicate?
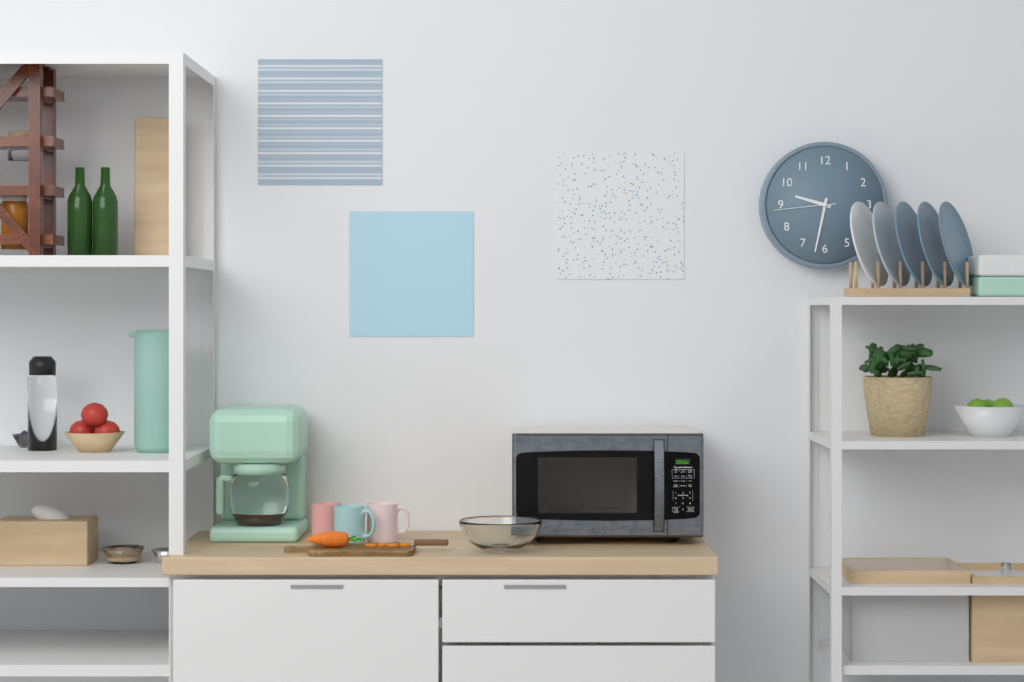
9:32:44
